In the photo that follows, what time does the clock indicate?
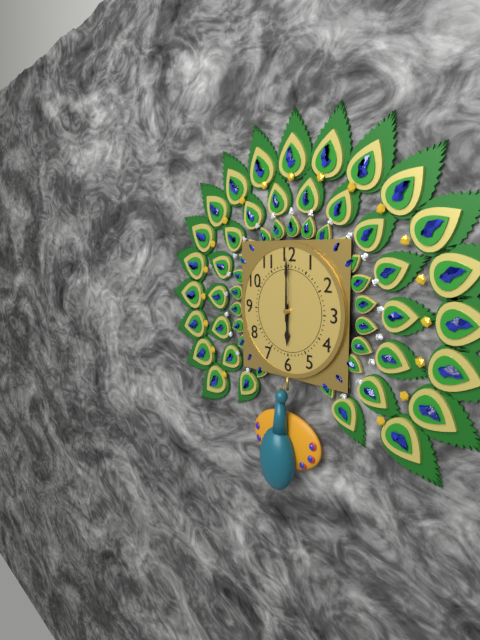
6:00
